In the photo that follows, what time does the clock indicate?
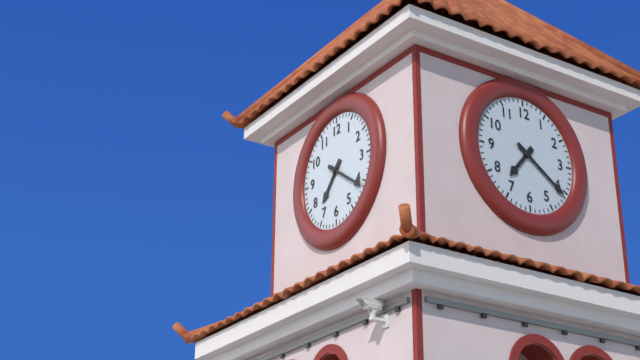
7:21
